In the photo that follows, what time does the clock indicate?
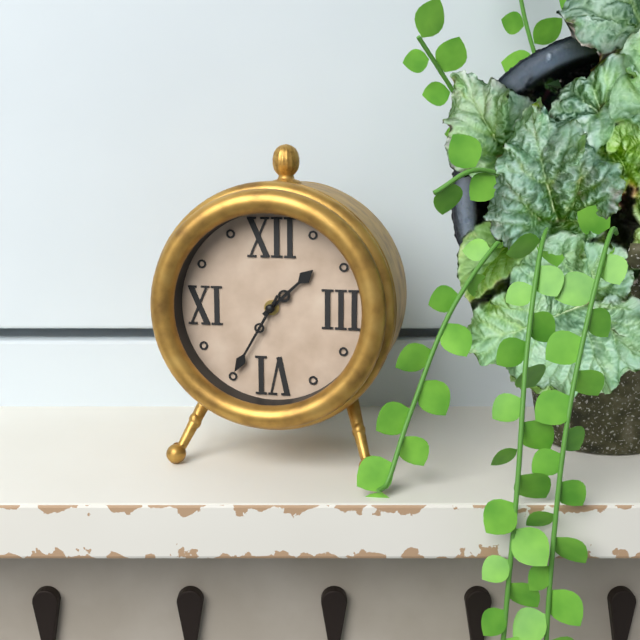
1:35
